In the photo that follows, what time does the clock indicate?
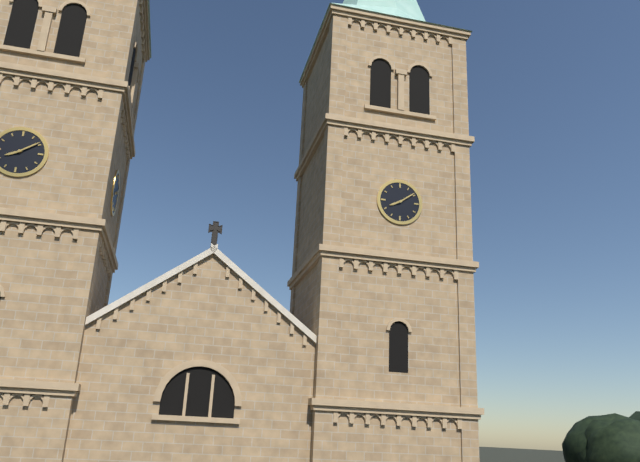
8:09
